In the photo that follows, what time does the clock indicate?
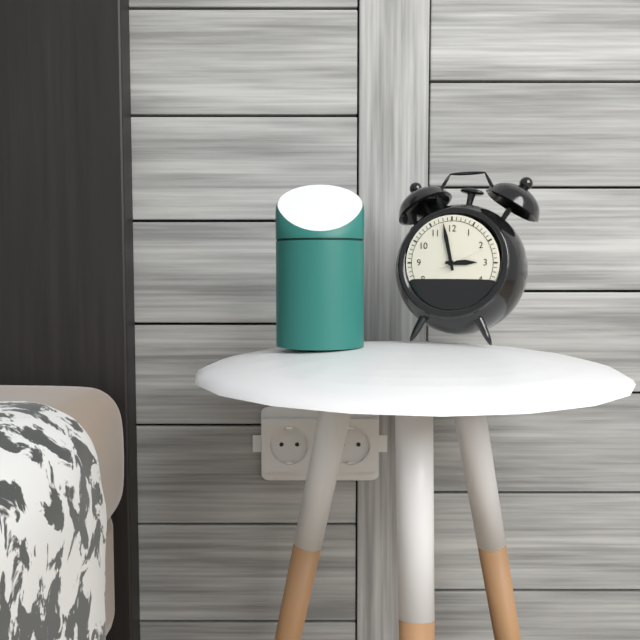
2:58:11
